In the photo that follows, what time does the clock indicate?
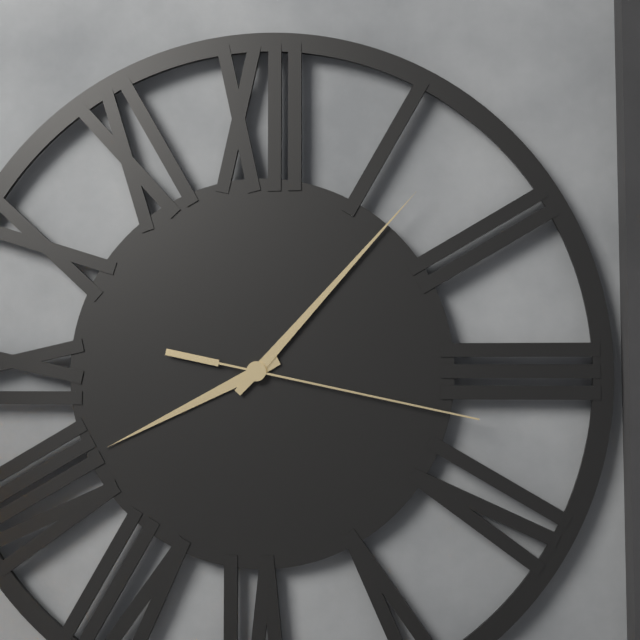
8:07:17
